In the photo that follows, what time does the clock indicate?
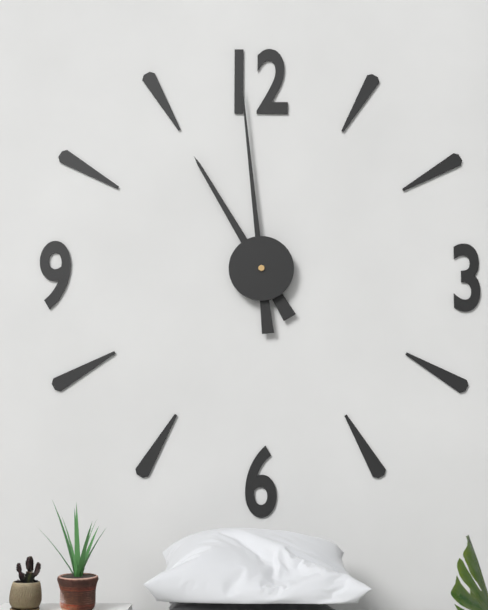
10:59
